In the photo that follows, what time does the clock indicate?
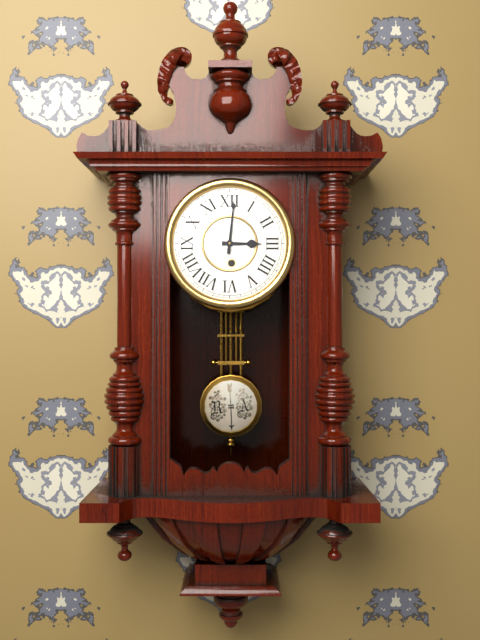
3:01
